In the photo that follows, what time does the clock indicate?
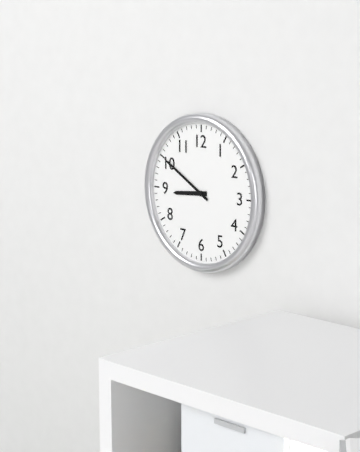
8:50
